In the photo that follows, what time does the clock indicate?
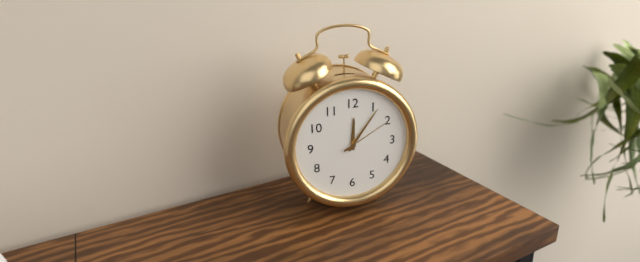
12:06:10
